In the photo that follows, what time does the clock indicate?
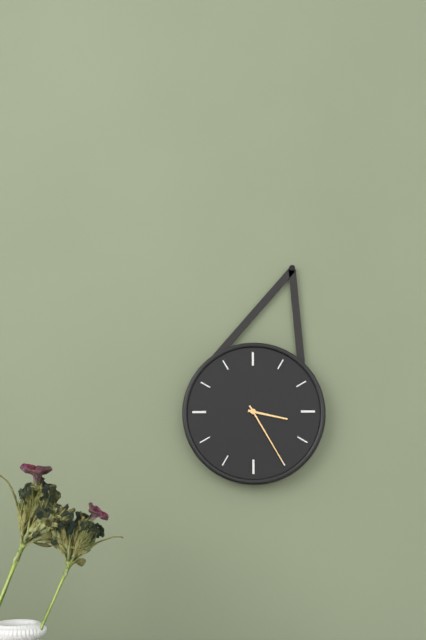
3:25
